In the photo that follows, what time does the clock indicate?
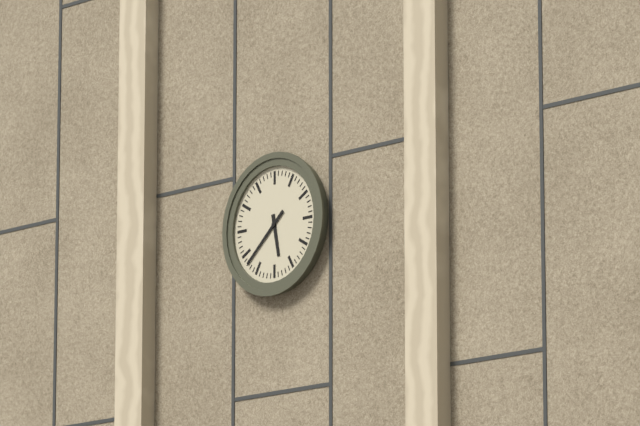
5:38
